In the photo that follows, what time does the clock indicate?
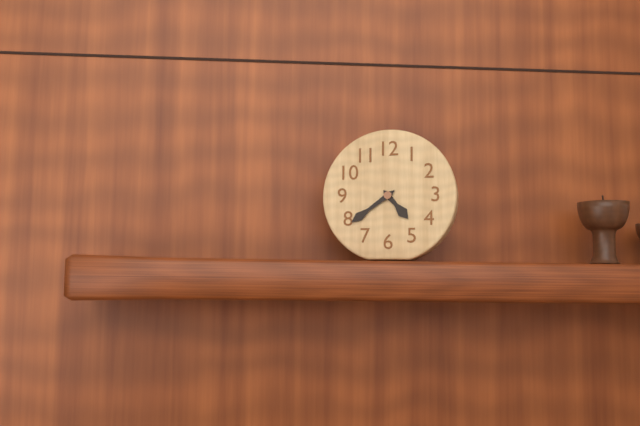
4:39
